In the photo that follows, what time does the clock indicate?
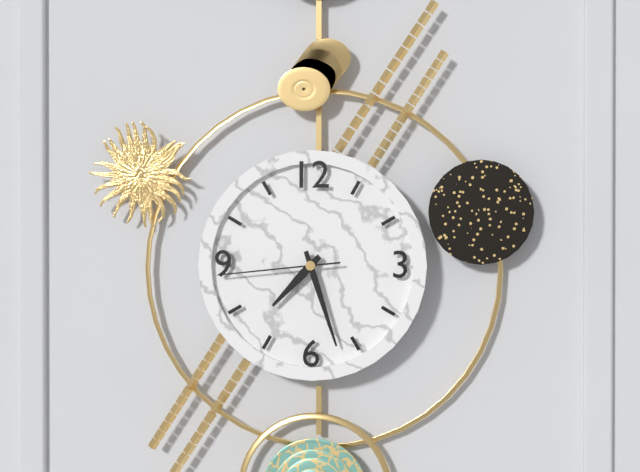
7:27:44
